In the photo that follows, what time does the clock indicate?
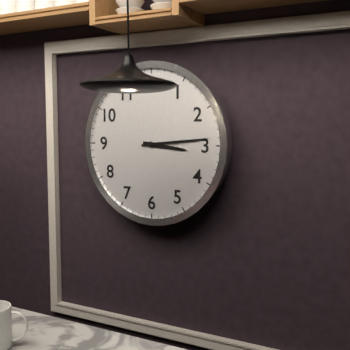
3:14
